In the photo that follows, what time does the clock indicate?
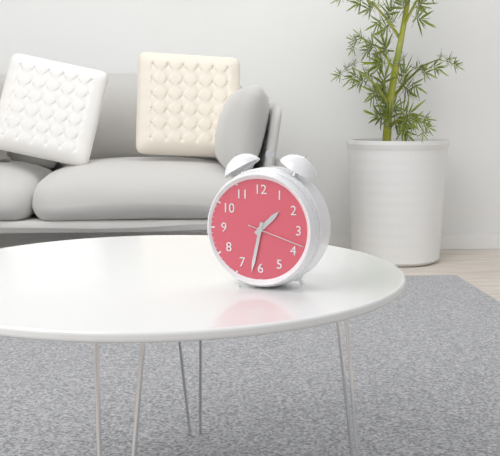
1:32:18
